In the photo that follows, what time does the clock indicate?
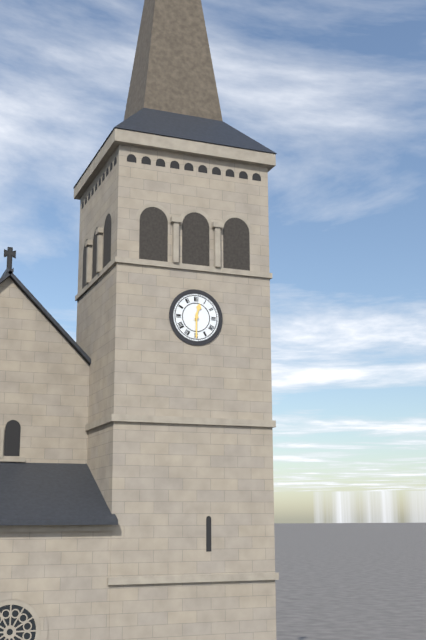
12:30
